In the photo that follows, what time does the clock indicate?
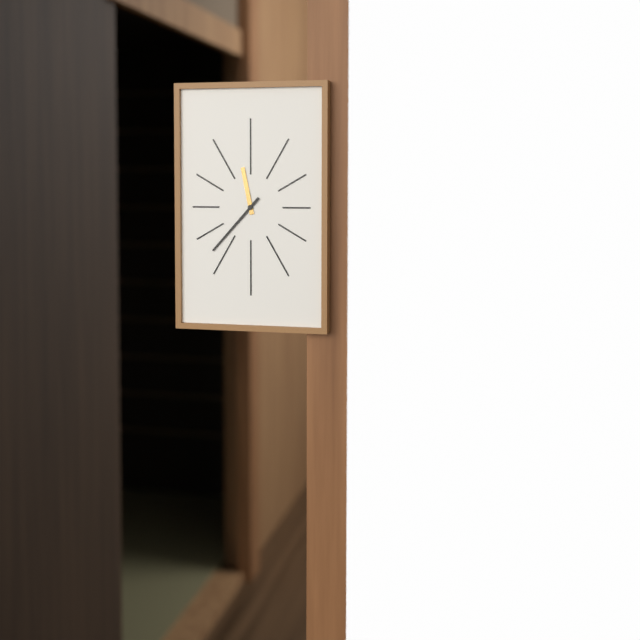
11:37
